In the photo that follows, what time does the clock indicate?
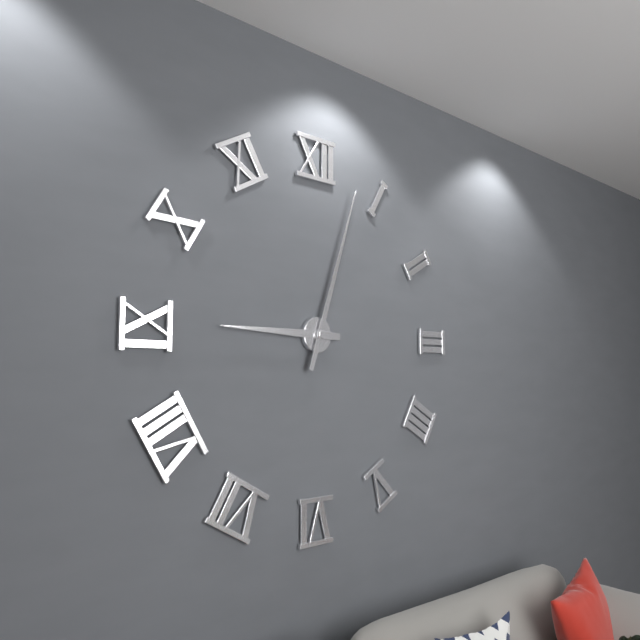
9:03
